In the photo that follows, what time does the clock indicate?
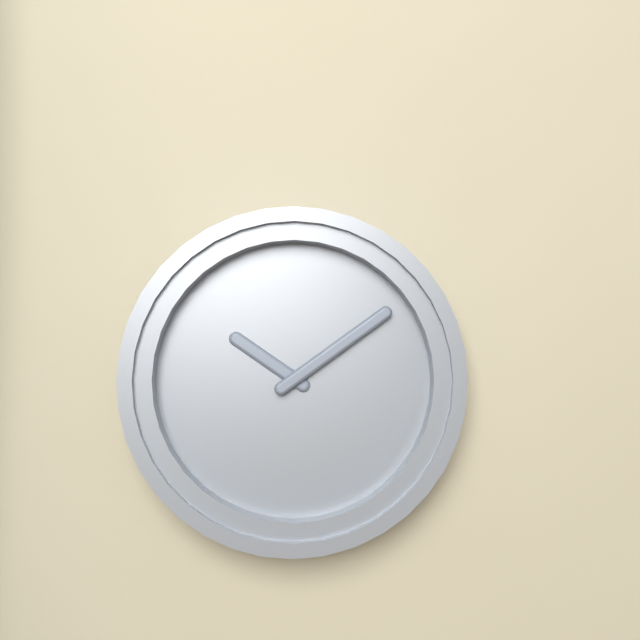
10:09
